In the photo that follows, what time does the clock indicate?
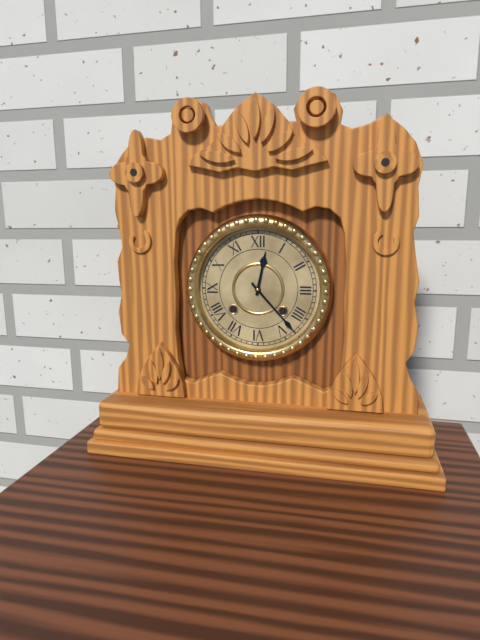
12:23
